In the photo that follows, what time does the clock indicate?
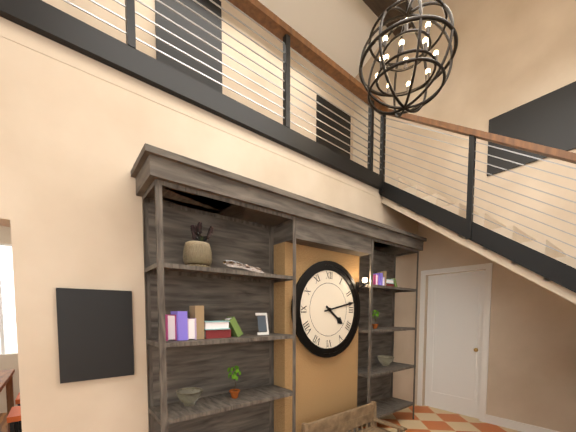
4:13
